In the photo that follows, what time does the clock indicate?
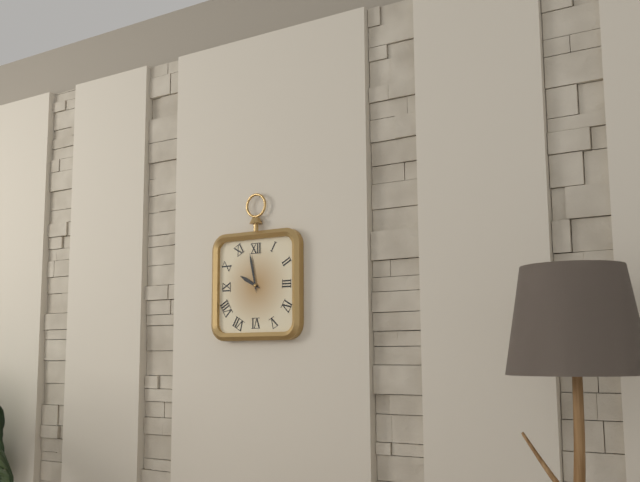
9:58
